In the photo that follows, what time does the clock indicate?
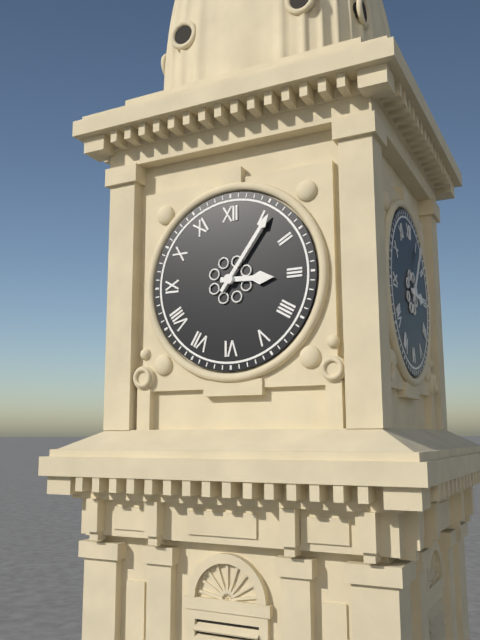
3:06
